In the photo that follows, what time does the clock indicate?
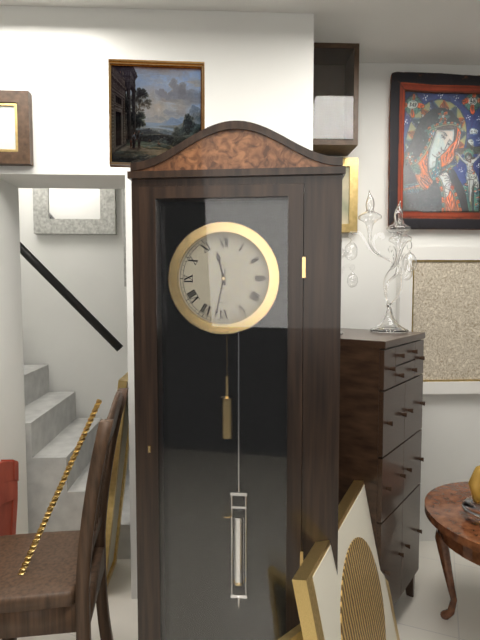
11:32
